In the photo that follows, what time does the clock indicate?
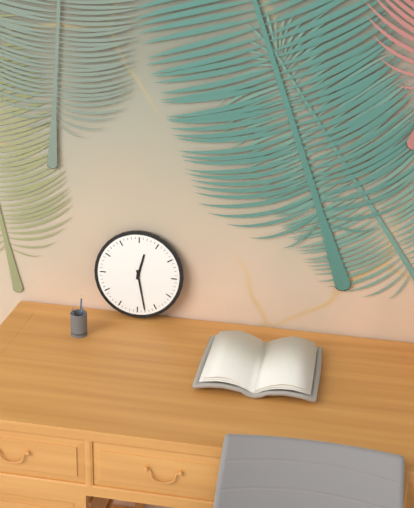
12:28
